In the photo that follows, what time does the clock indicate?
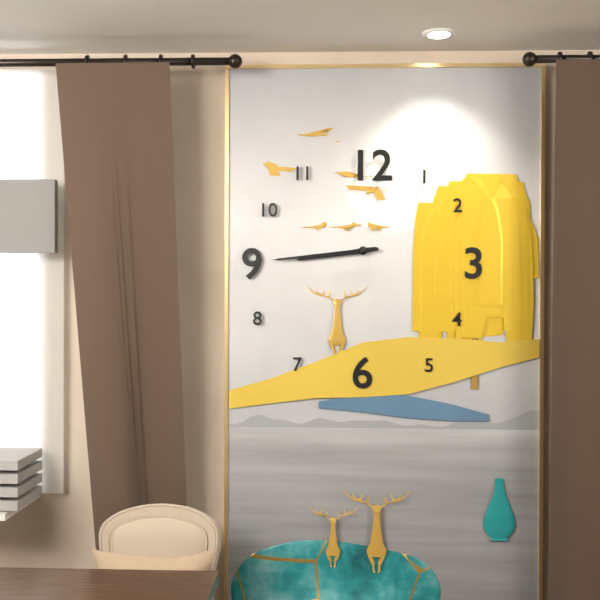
8:44
